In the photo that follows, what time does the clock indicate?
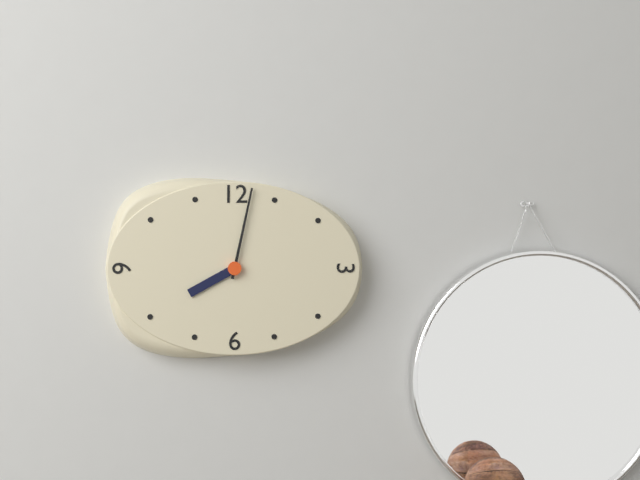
8:02
